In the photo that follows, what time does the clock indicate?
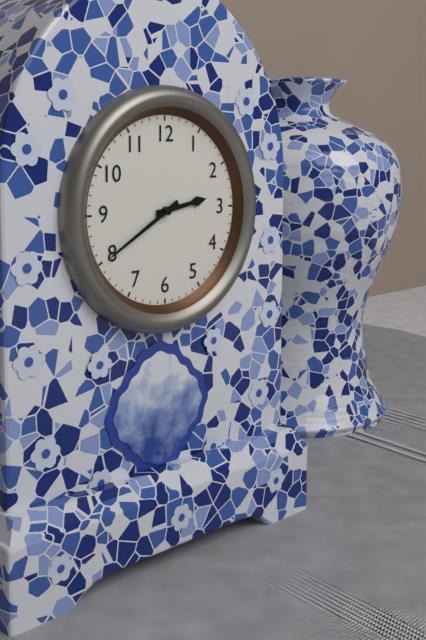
2:40
